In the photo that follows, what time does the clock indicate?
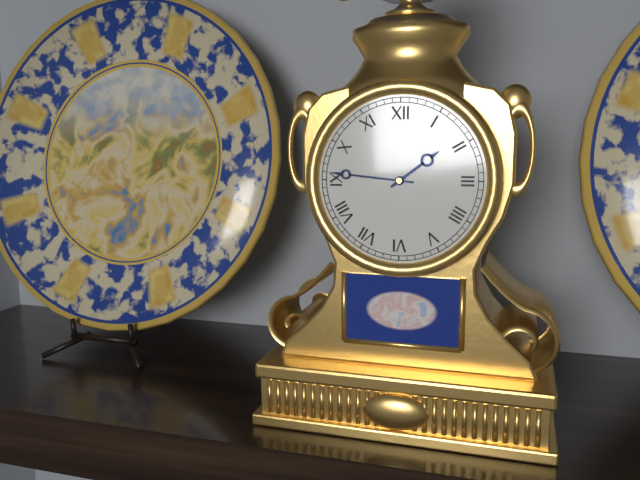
1:46
